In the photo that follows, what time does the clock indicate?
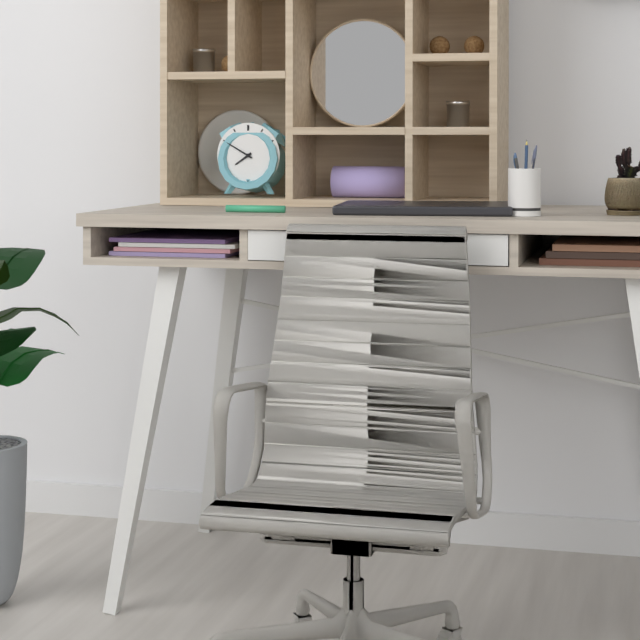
7:50
